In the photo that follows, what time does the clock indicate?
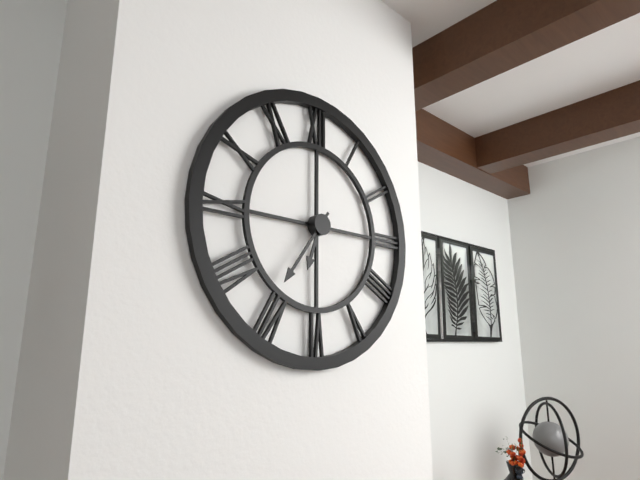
6:36
